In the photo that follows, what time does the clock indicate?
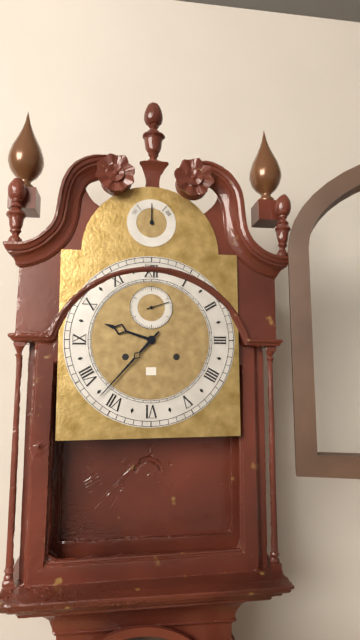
9:37
